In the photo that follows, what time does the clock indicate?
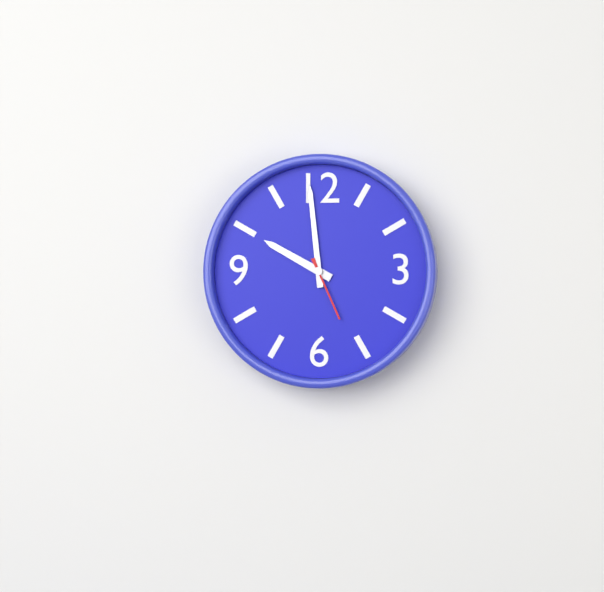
9:59:26
